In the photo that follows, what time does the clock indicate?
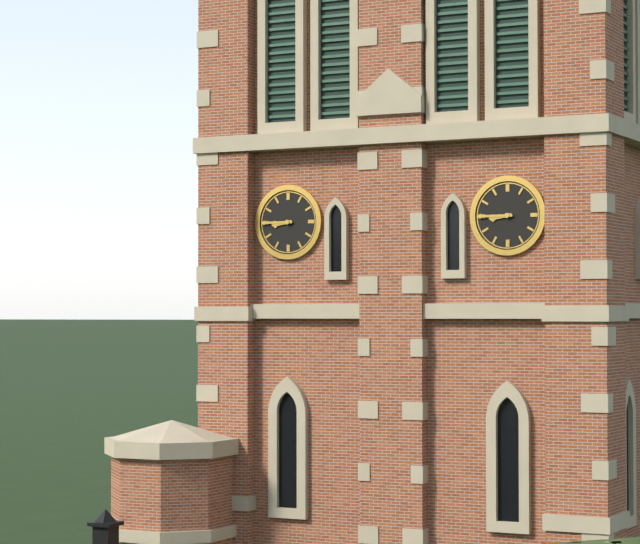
8:45
